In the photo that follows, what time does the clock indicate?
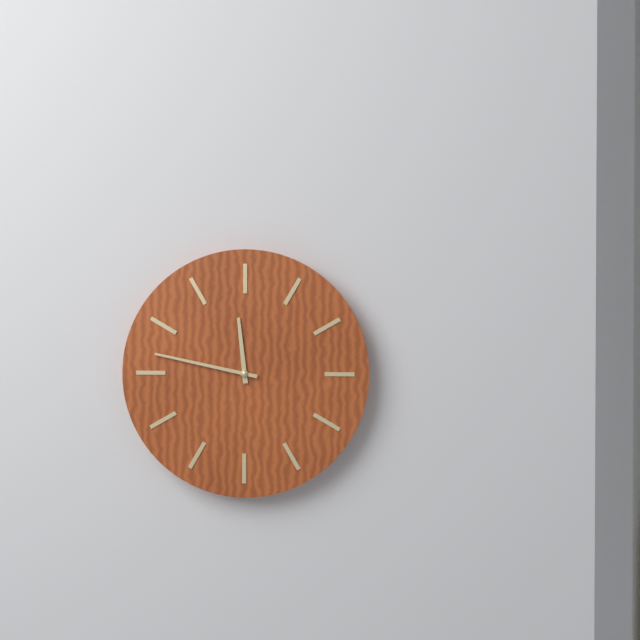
11:47
